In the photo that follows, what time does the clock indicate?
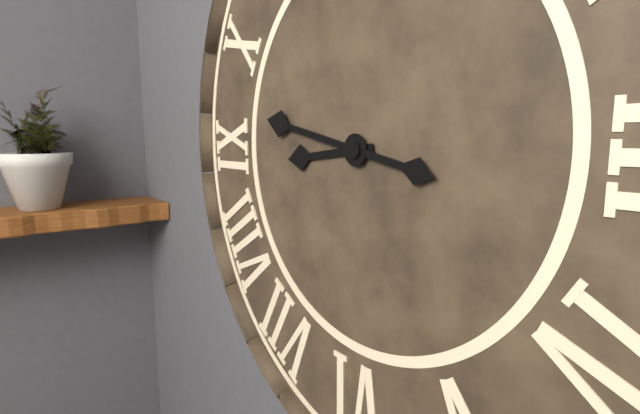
8:47
